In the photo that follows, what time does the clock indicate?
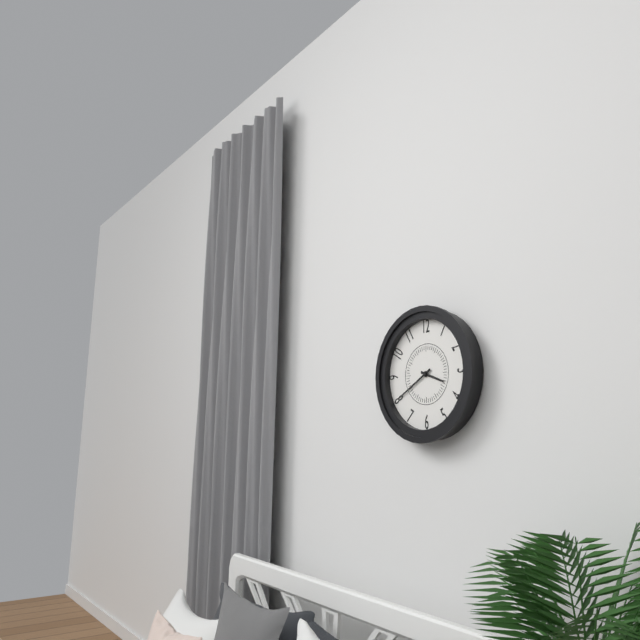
3:40
